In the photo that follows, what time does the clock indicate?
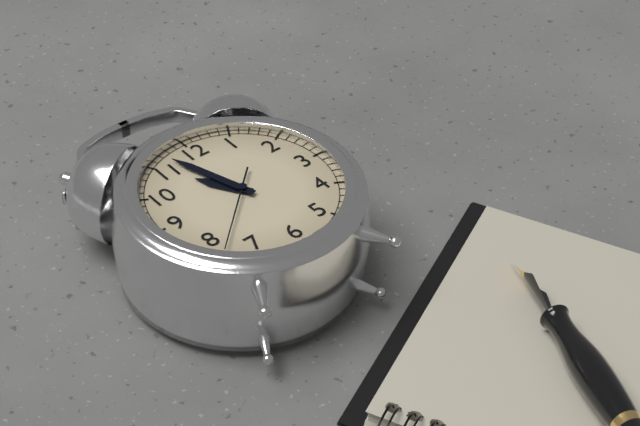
10:57:38
